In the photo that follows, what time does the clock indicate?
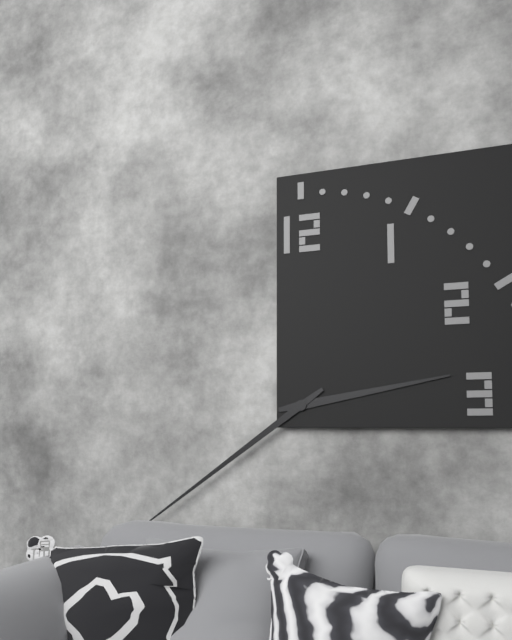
2:39
